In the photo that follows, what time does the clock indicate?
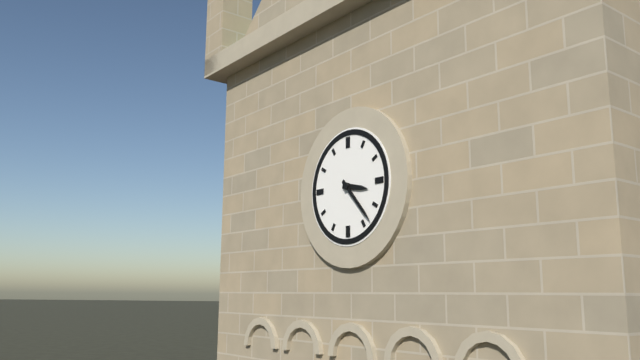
3:23
